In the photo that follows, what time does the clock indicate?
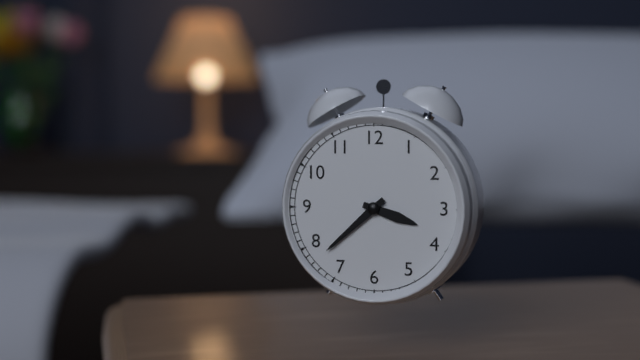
3:38
